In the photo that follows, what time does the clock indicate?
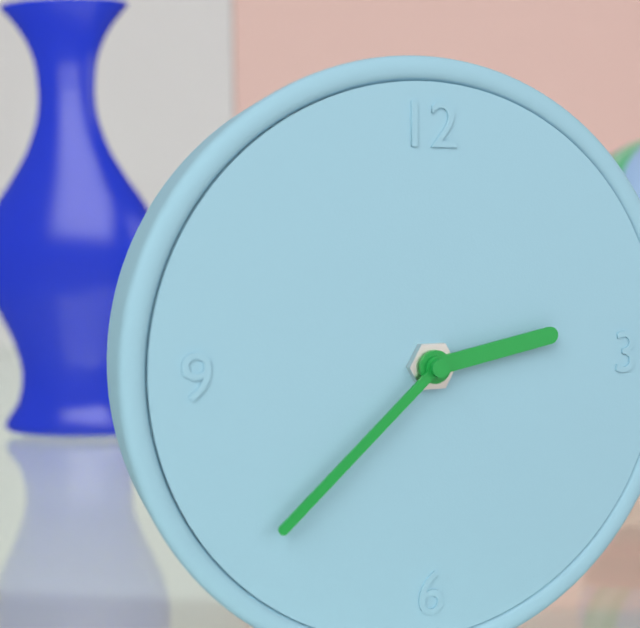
2:38
